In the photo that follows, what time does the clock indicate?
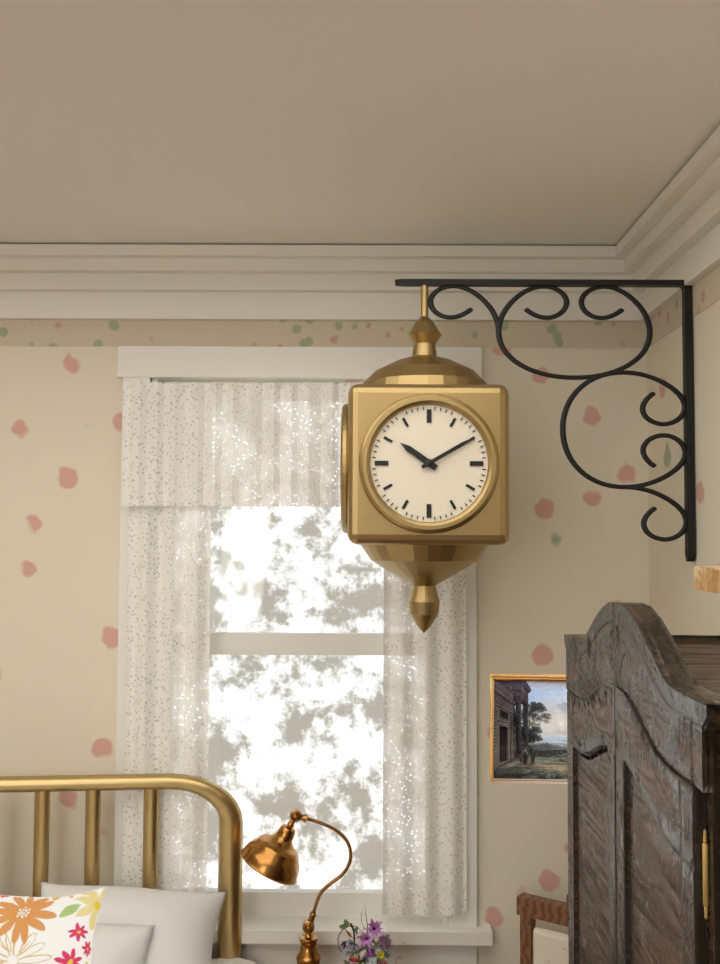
10:10
